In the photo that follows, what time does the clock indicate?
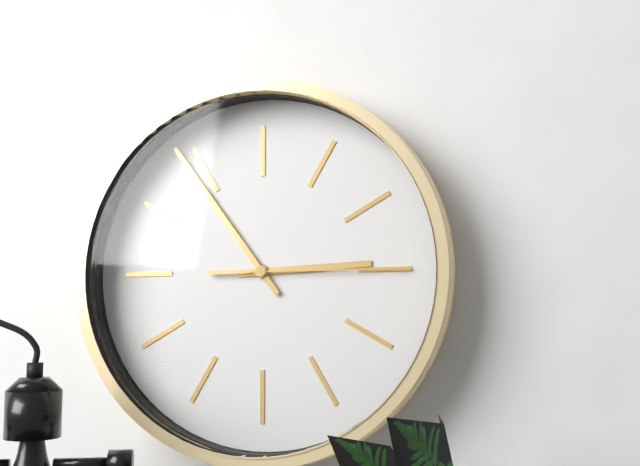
2:54:15
